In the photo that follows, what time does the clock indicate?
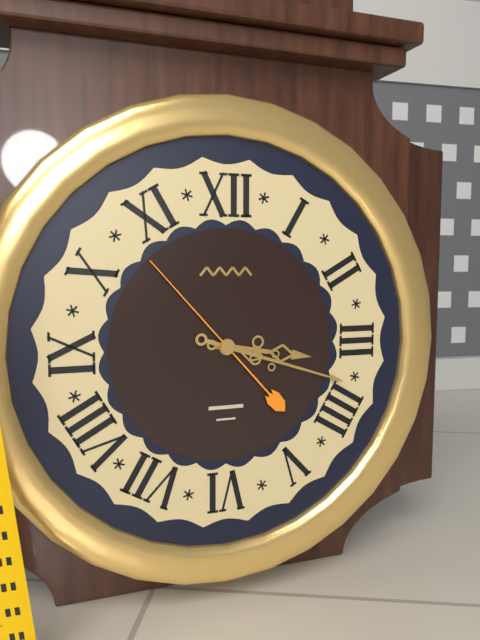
3:18:53
